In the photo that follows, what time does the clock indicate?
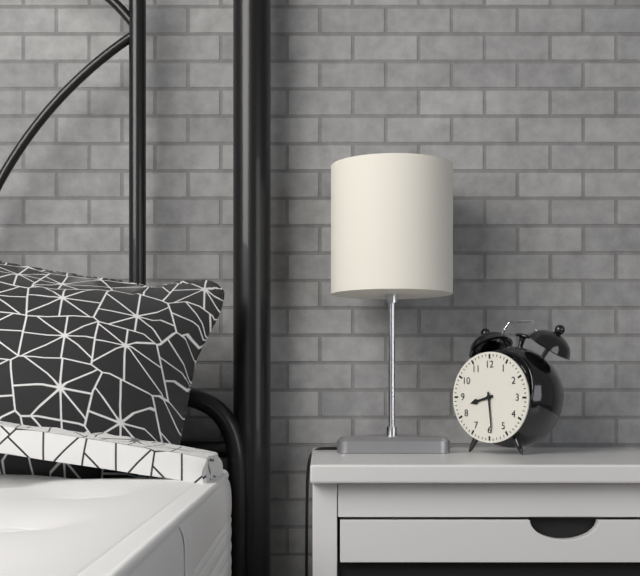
8:29
